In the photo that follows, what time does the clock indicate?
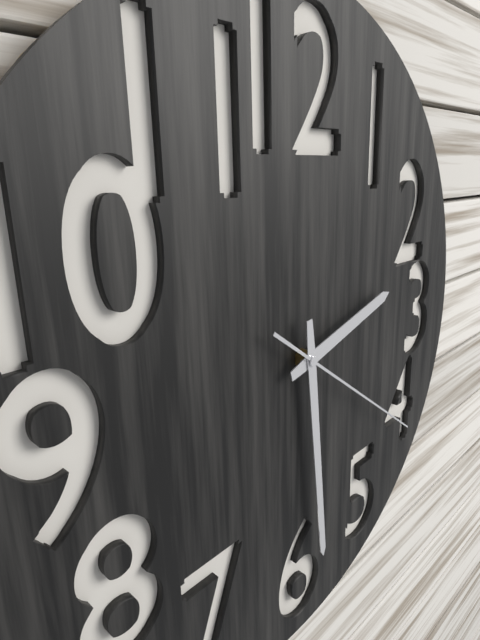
2:29:21
